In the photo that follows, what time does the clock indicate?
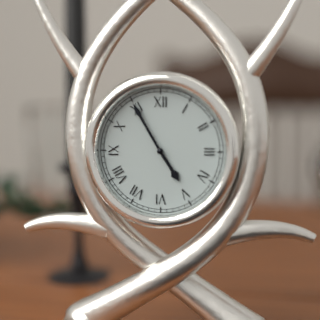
4:55
